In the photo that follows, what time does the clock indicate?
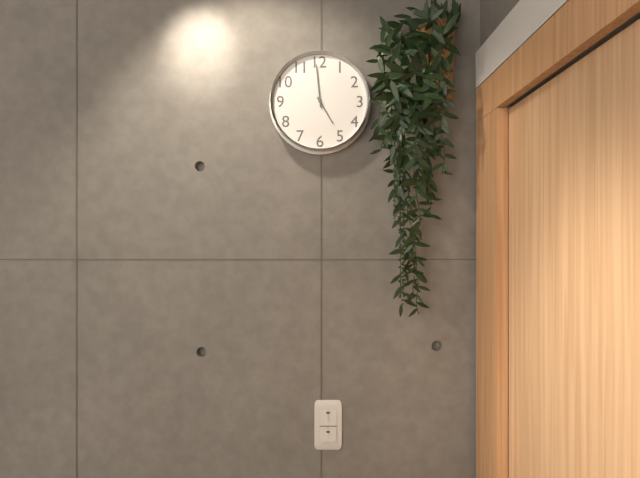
4:59
